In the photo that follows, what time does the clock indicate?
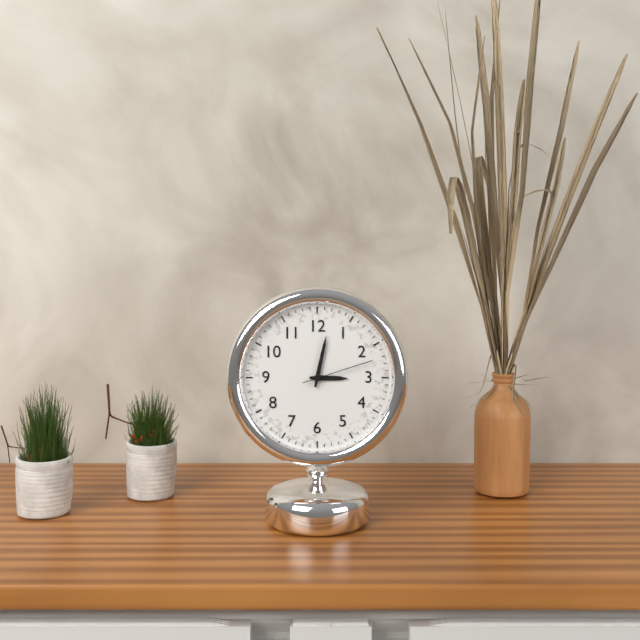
3:02:12
